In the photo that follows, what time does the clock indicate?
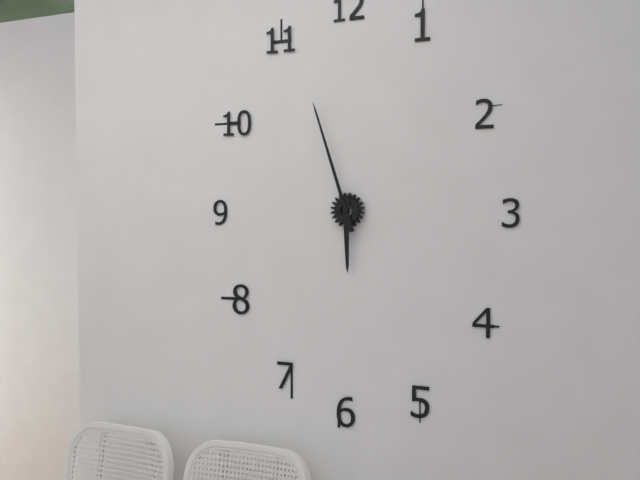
5:57
